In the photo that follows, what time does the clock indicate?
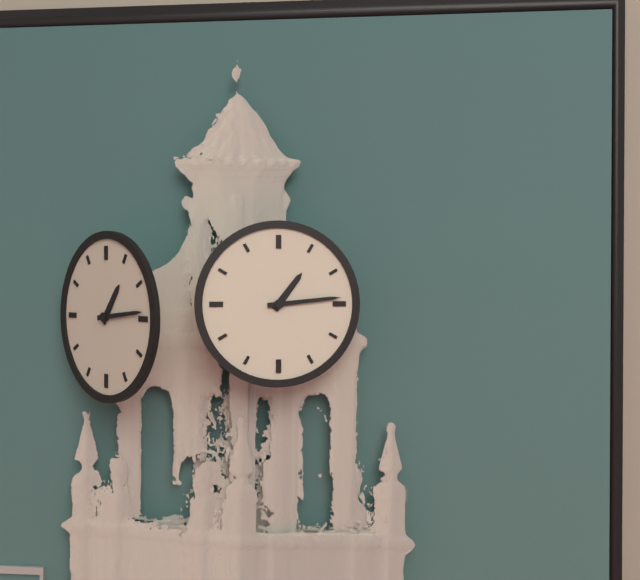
1:14
